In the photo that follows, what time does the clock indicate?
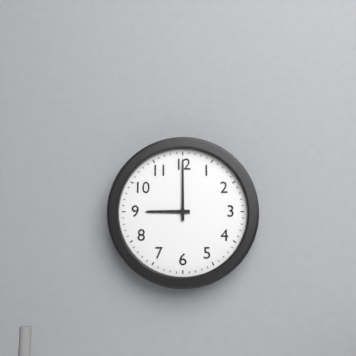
9:00
